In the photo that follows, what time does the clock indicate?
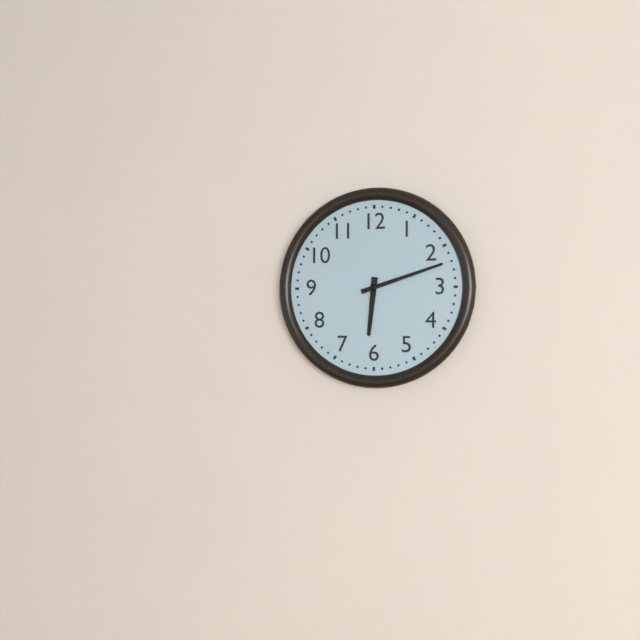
6:12
